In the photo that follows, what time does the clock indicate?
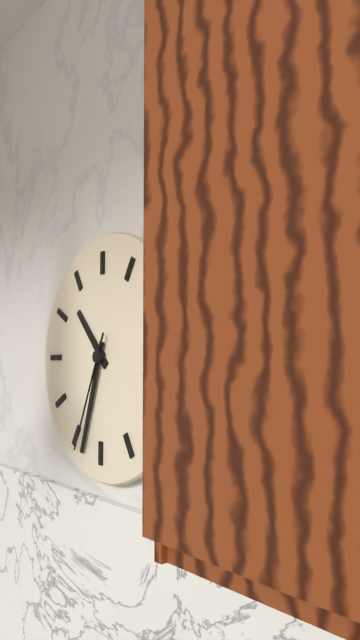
10:33:34
